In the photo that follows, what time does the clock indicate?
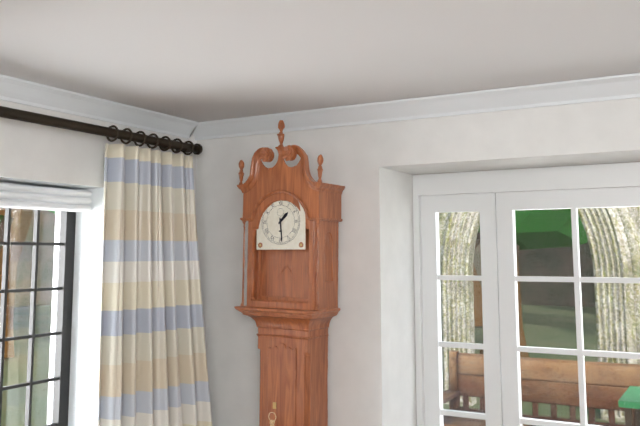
1:29
